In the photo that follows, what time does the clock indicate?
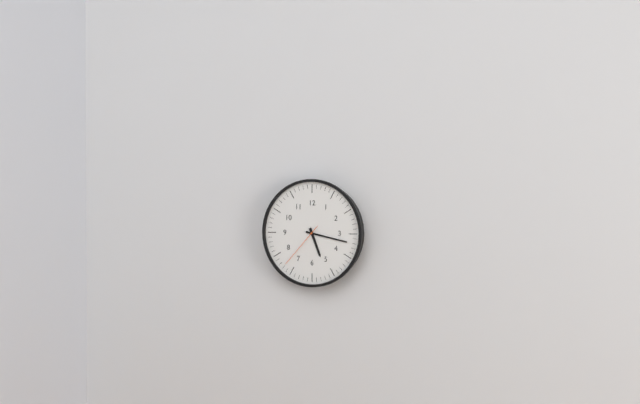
5:17:37
